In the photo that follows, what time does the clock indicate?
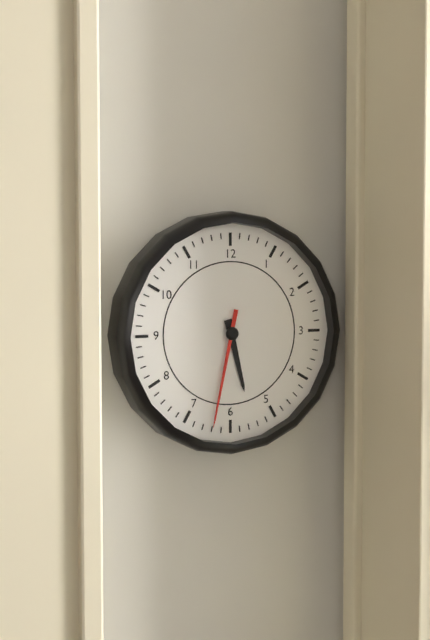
5:32
